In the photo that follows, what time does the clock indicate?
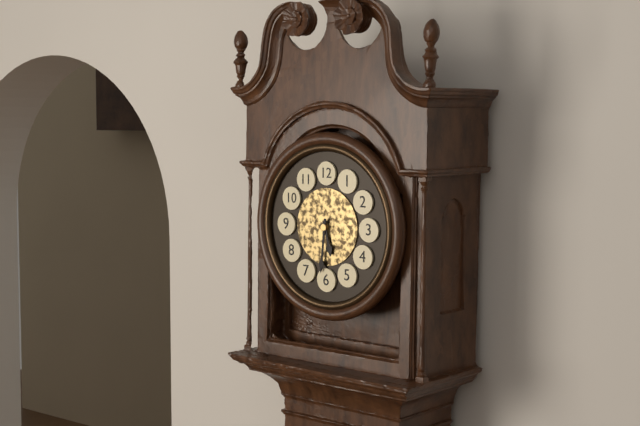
5:31
